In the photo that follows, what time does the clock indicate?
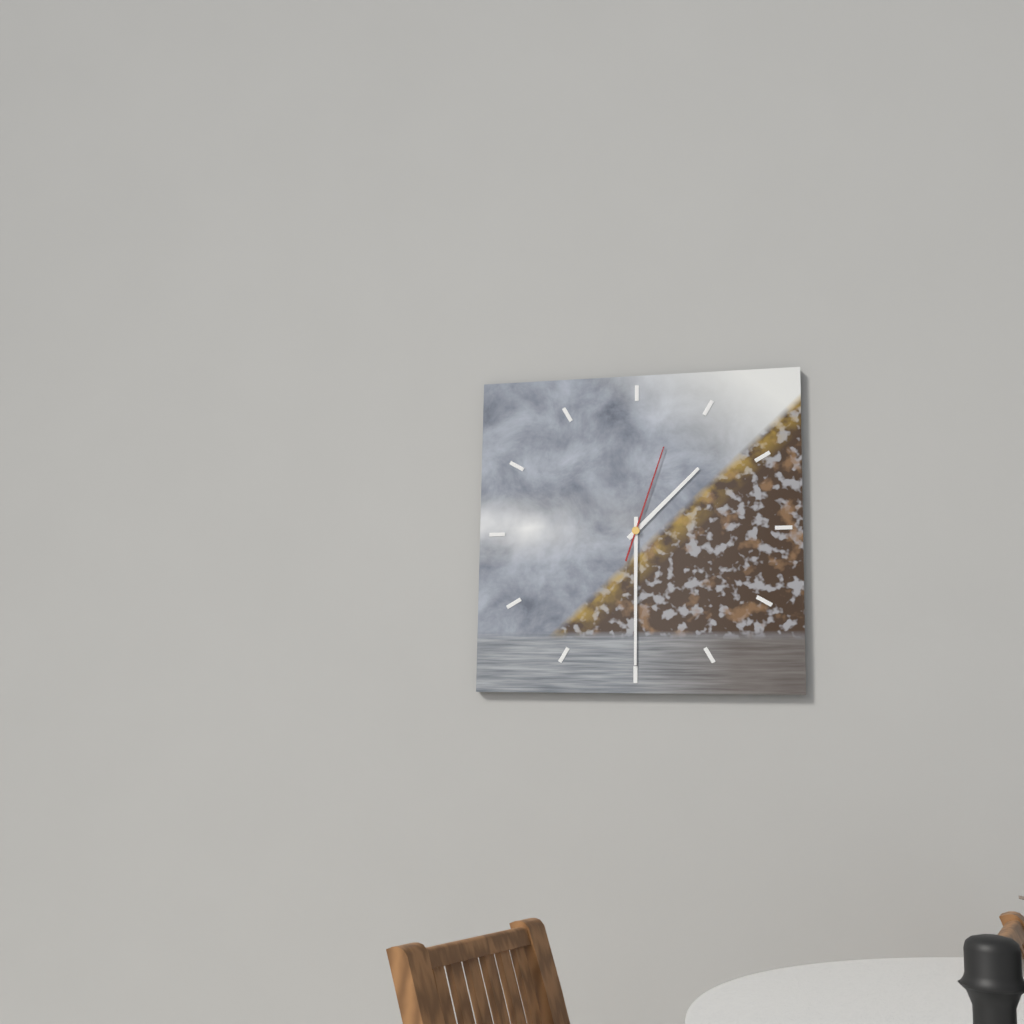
1:30:03
